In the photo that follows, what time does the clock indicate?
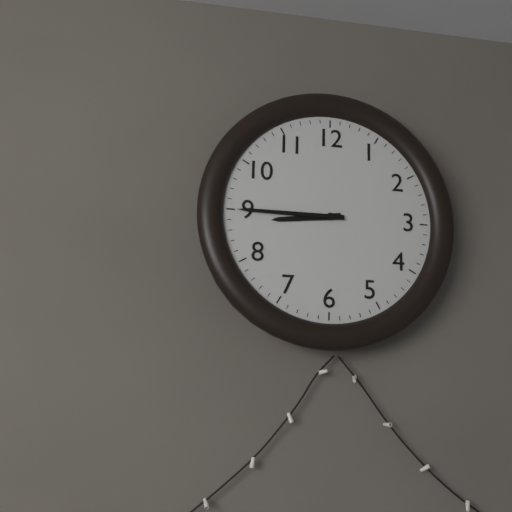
8:45
